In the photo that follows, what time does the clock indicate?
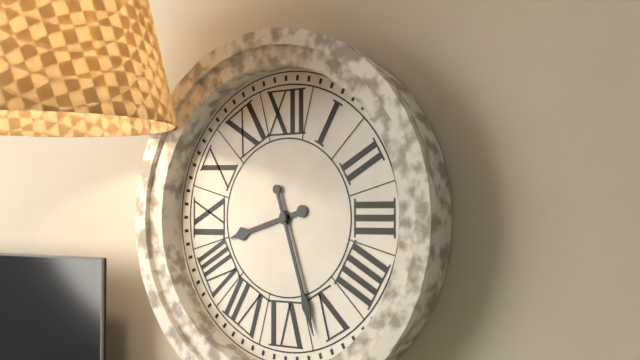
8:27
